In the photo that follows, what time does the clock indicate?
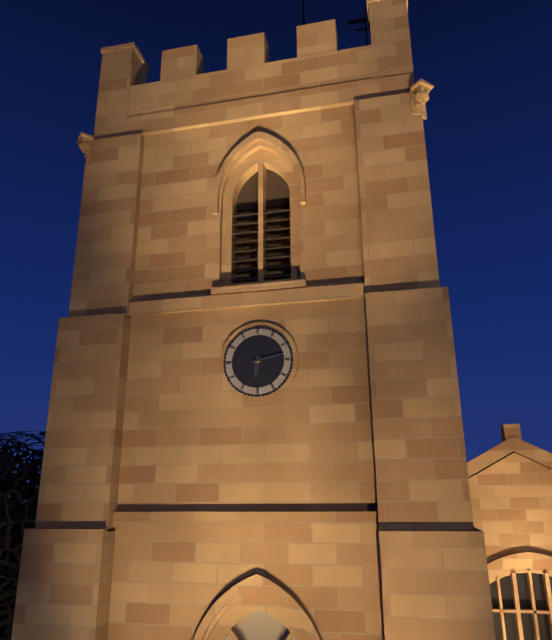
6:13
